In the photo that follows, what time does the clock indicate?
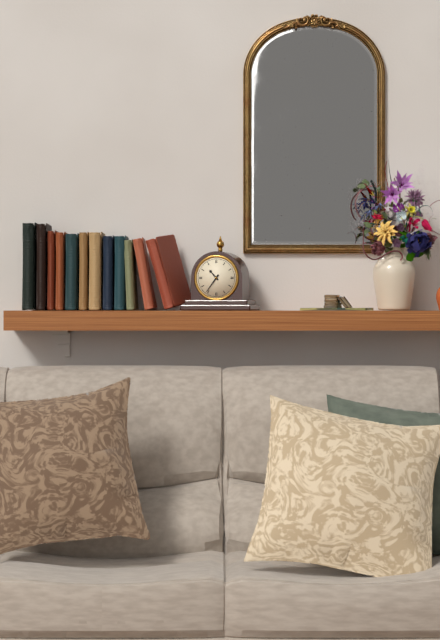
10:36
